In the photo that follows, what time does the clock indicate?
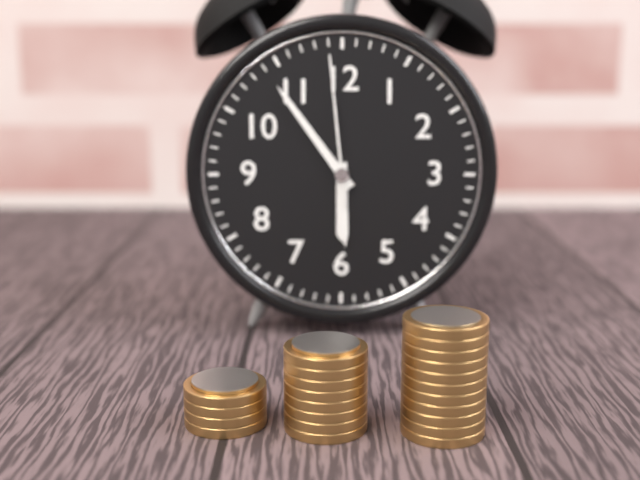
5:54:59
